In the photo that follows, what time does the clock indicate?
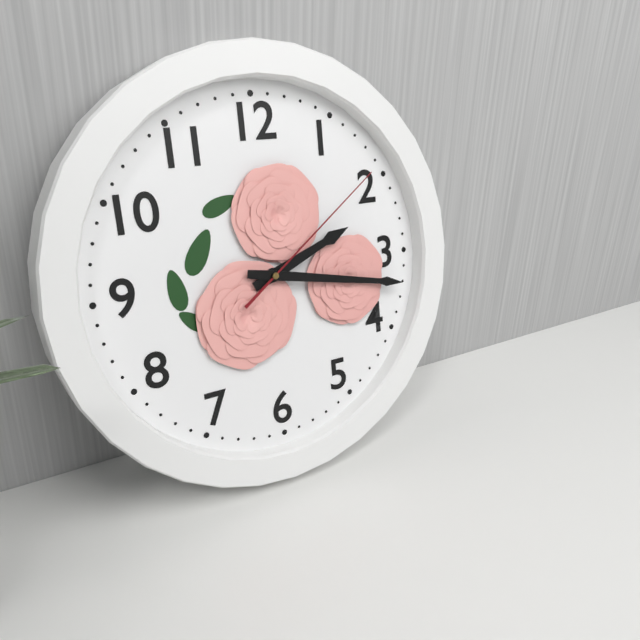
2:17:09
